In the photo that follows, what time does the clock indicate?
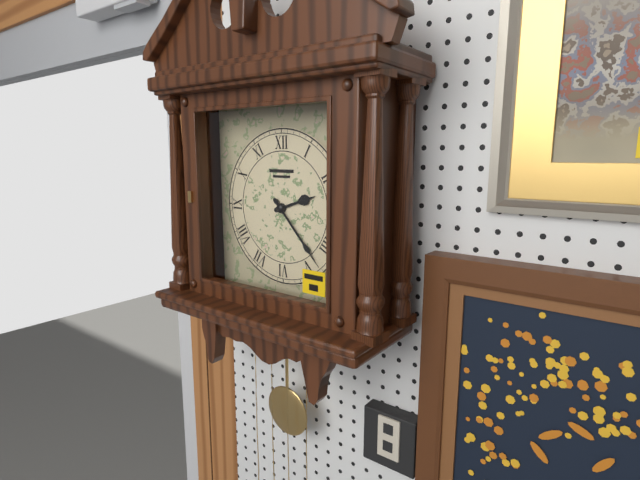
2:23
